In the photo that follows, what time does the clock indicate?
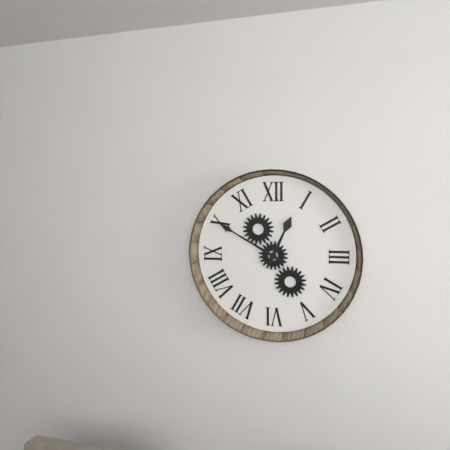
12:50
